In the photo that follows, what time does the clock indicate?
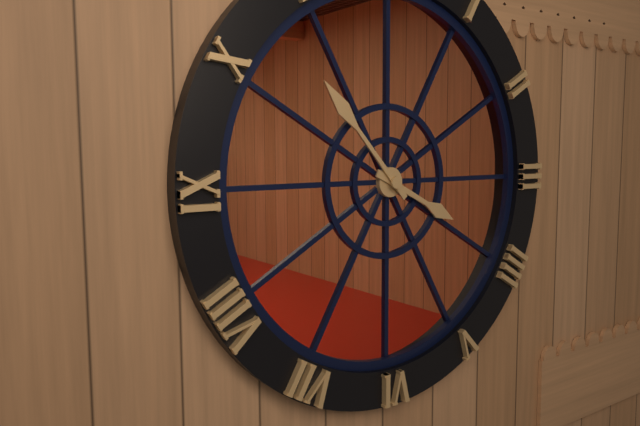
3:53
